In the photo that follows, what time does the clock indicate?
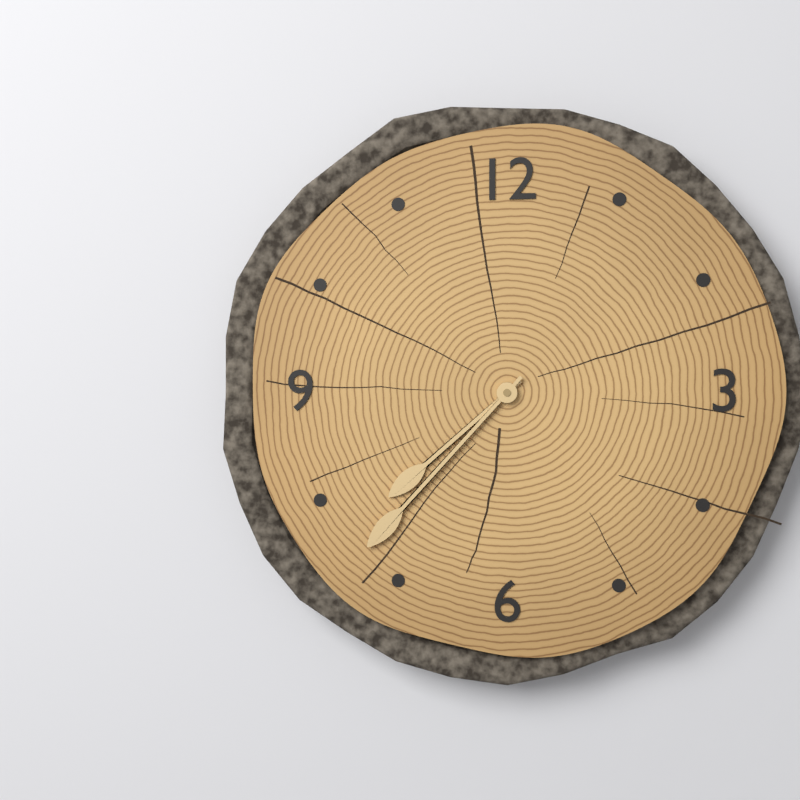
7:37
